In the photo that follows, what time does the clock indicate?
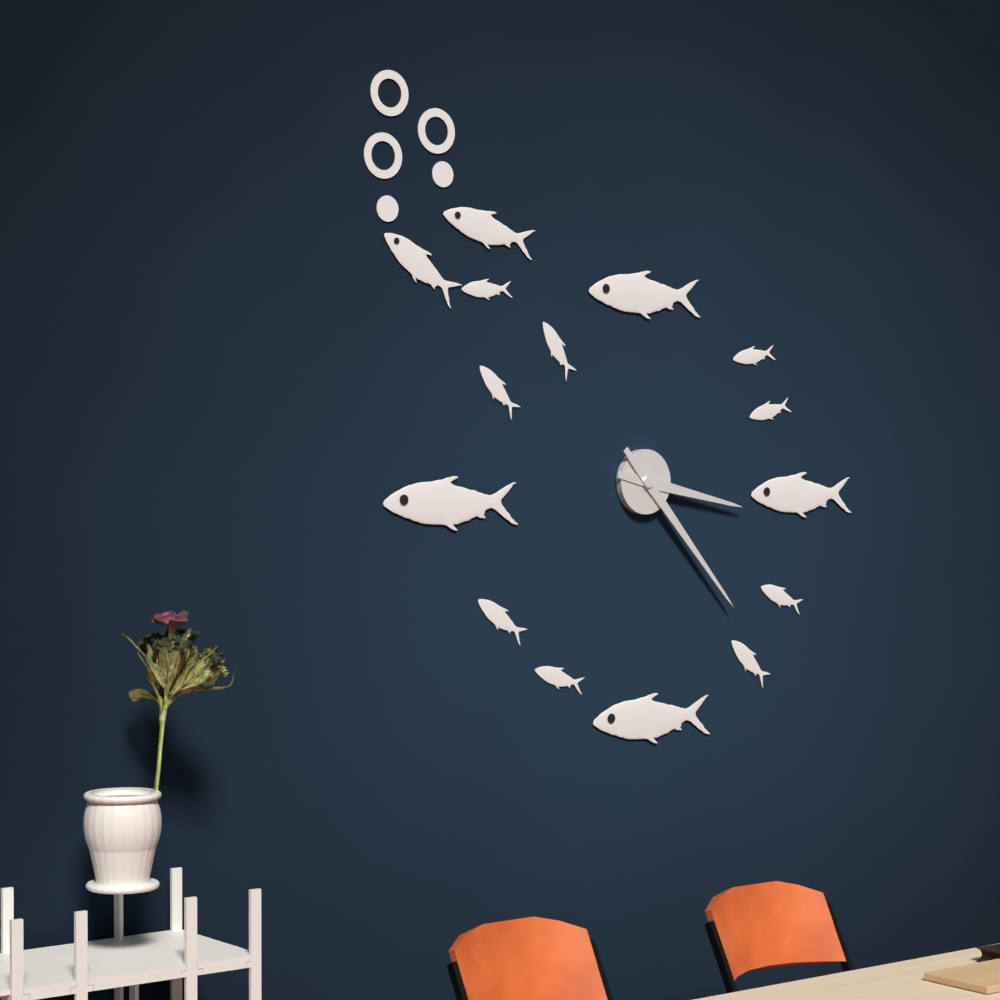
3:23
